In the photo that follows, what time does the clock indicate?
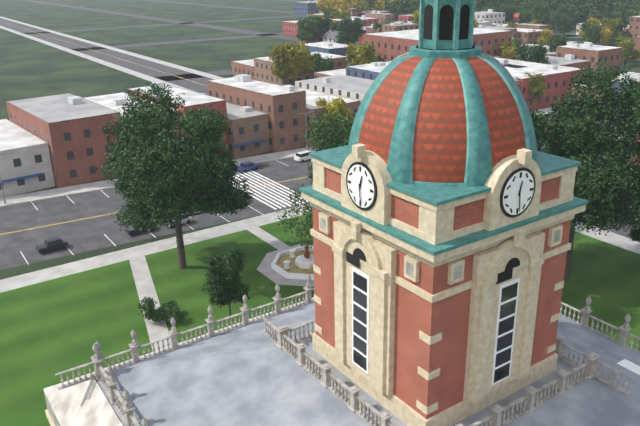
12:29
